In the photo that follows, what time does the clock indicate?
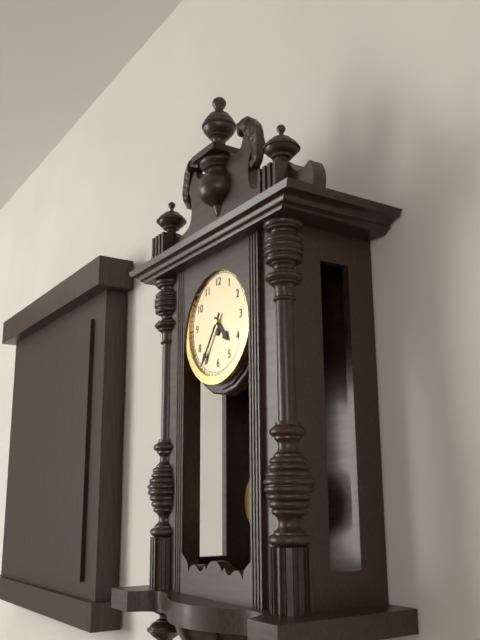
4:36
